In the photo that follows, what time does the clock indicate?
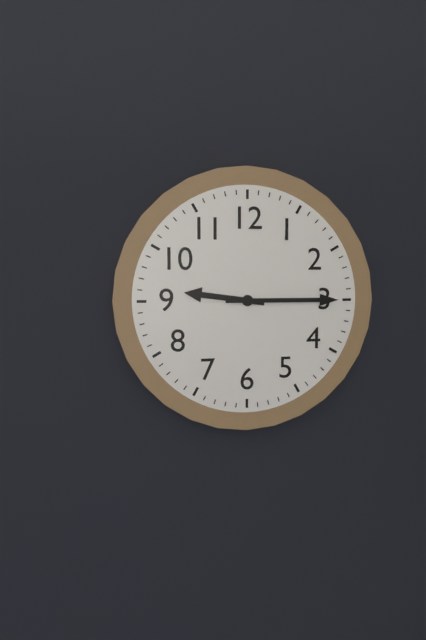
9:15
